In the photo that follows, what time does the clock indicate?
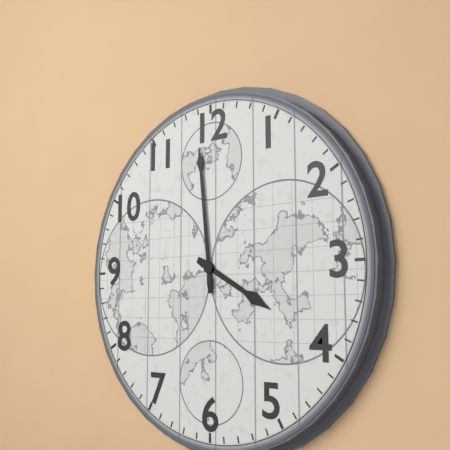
3:59
